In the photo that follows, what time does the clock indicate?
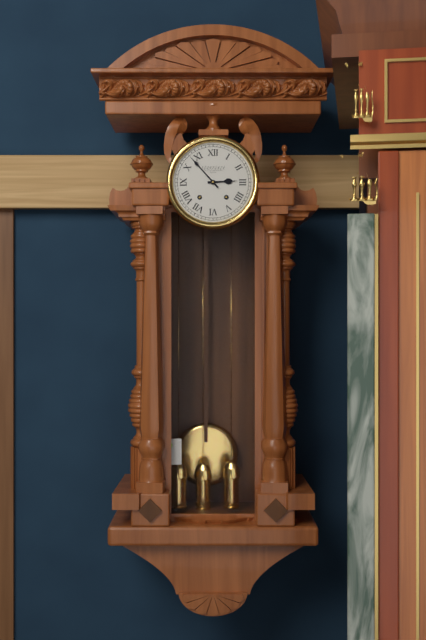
2:53
